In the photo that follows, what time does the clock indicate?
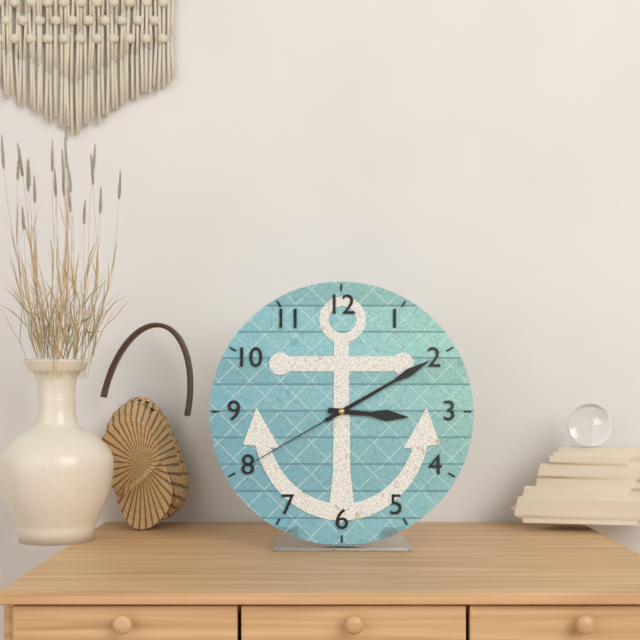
3:10:40
